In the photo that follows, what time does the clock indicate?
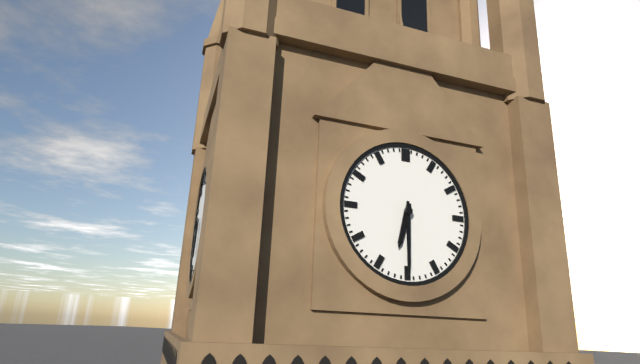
6:30
